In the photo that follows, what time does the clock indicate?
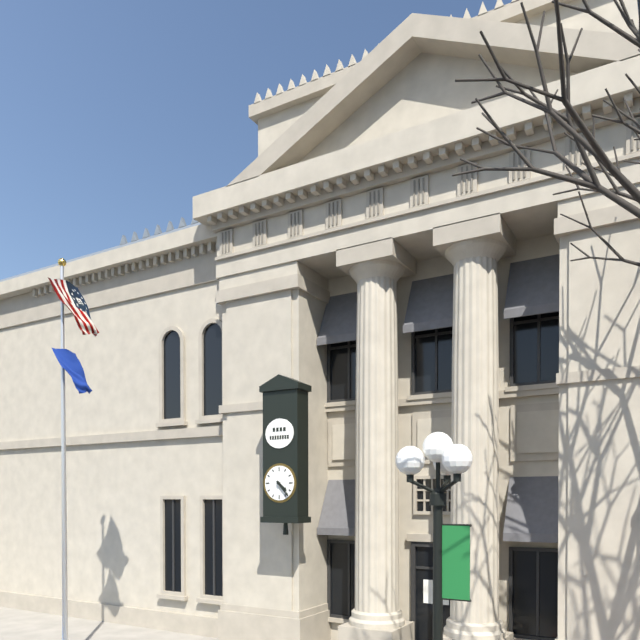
4:23
